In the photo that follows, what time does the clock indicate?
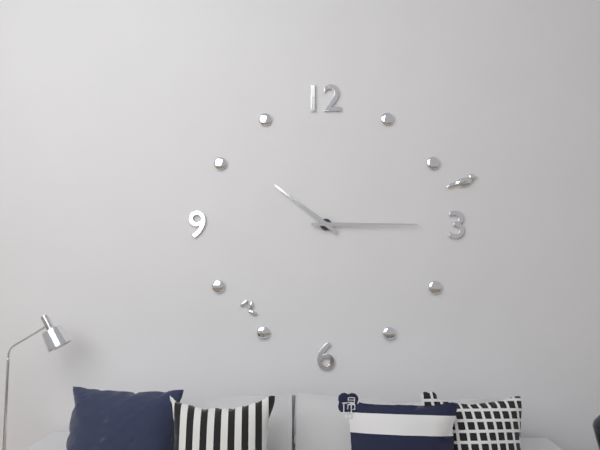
10:15
